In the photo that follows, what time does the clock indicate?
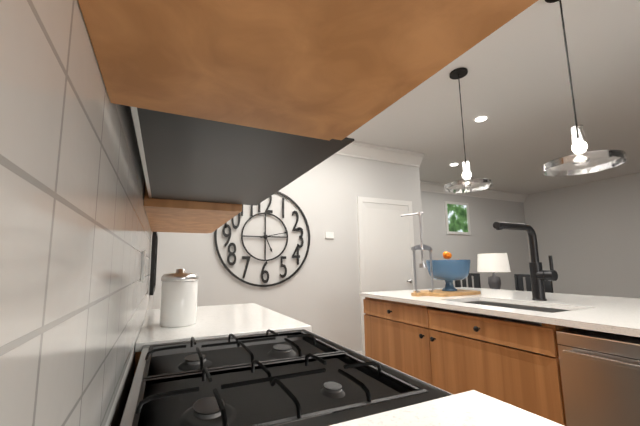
5:13
